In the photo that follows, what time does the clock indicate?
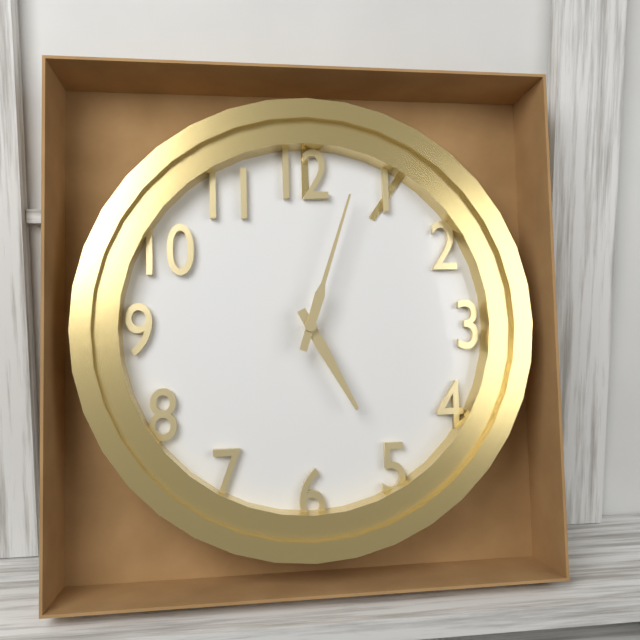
5:03
